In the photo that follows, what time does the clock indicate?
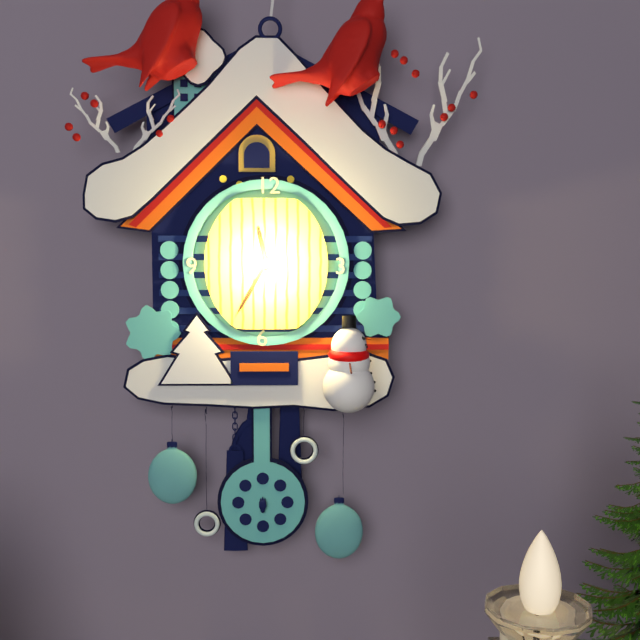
11:35
